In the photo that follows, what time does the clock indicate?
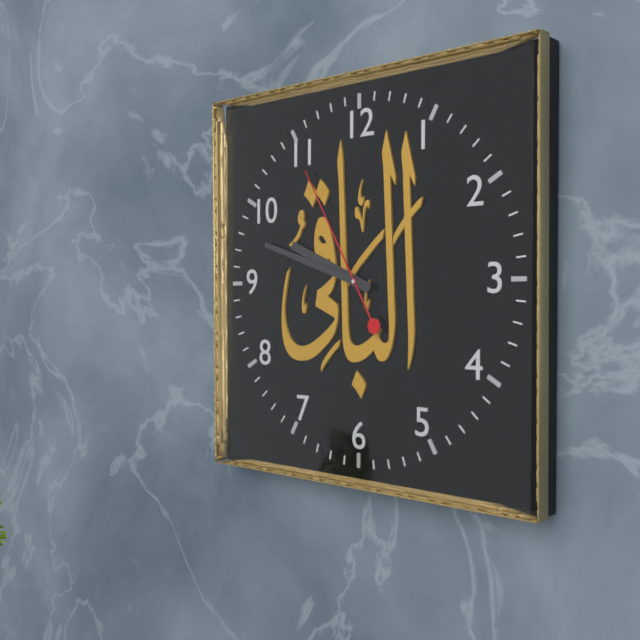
9:48:55
